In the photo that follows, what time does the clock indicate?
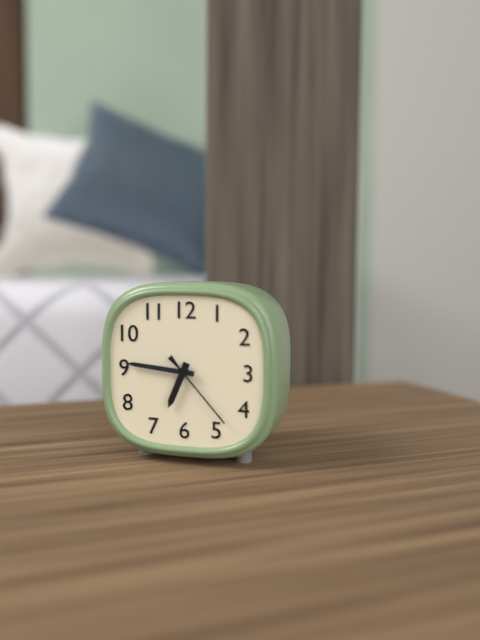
6:46:23
